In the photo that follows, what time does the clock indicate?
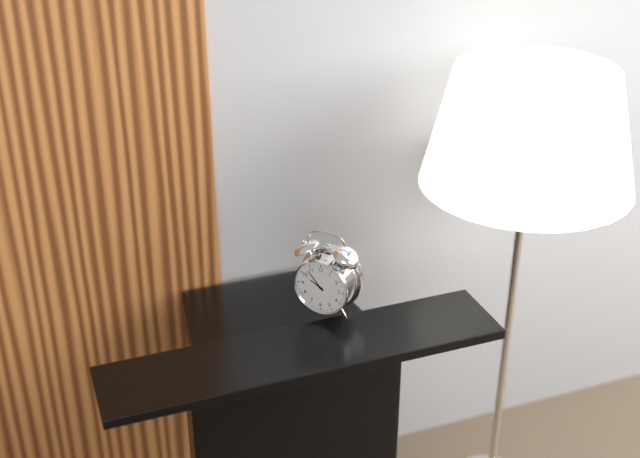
9:53
